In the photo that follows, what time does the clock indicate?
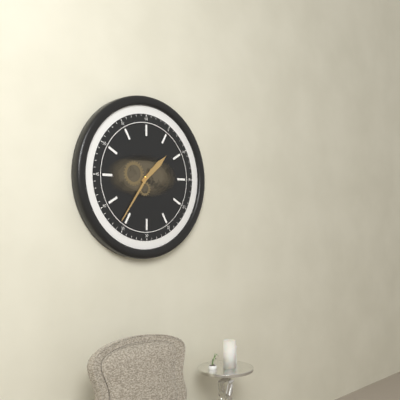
1:36
